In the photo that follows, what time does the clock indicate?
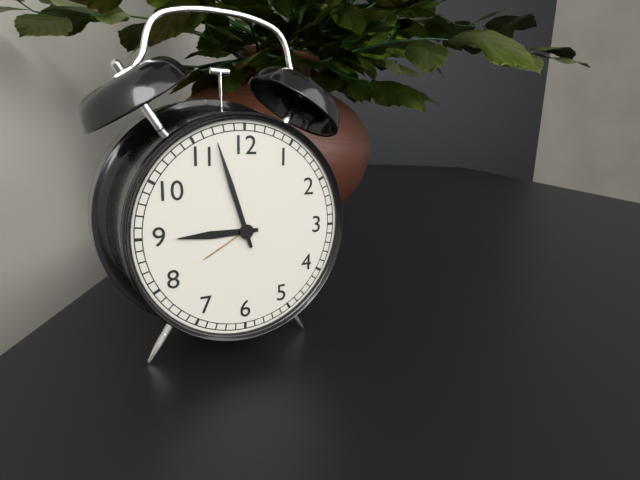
8:57
